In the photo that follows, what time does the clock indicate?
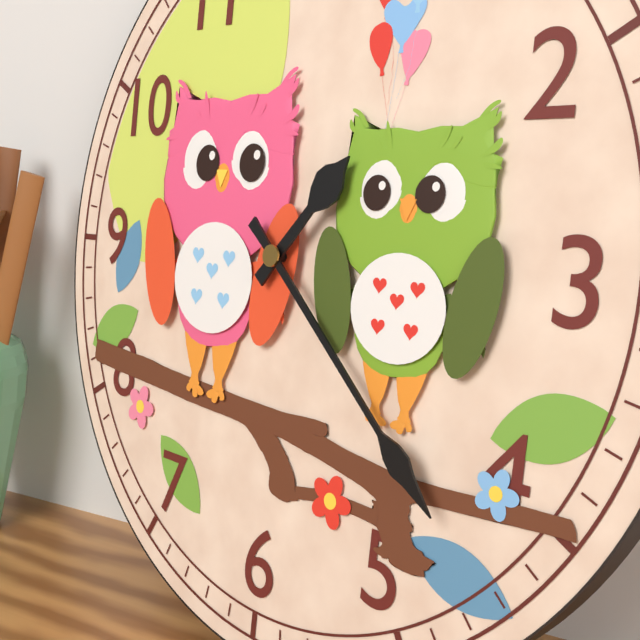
1:22
